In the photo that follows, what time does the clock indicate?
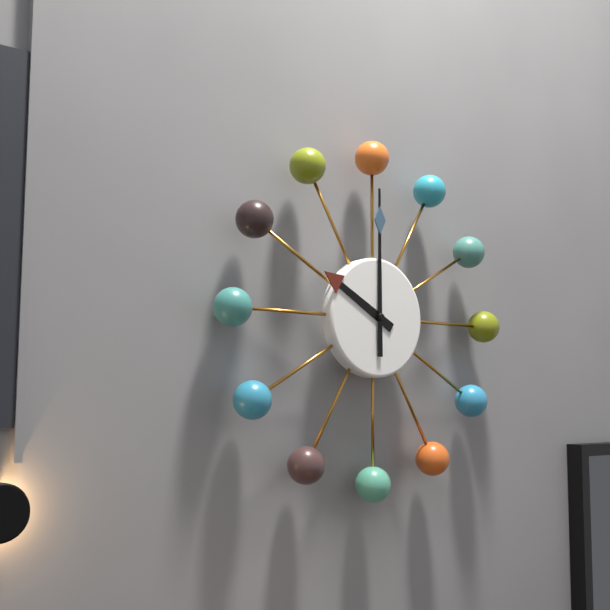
10:00
